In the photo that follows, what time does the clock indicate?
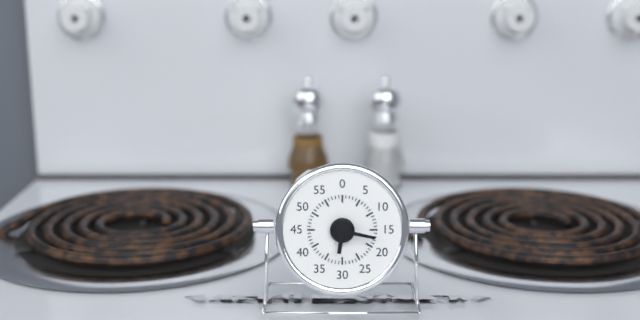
6:17
